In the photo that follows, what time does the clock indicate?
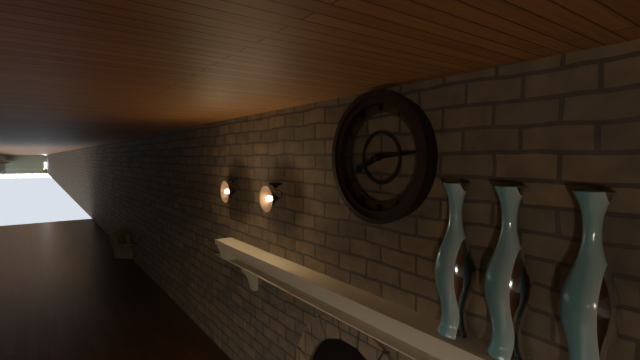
8:14
